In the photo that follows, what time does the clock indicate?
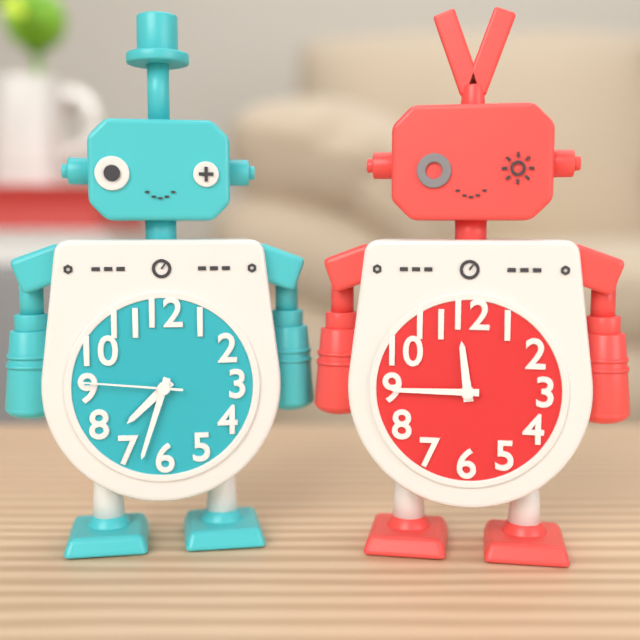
7:33:46
